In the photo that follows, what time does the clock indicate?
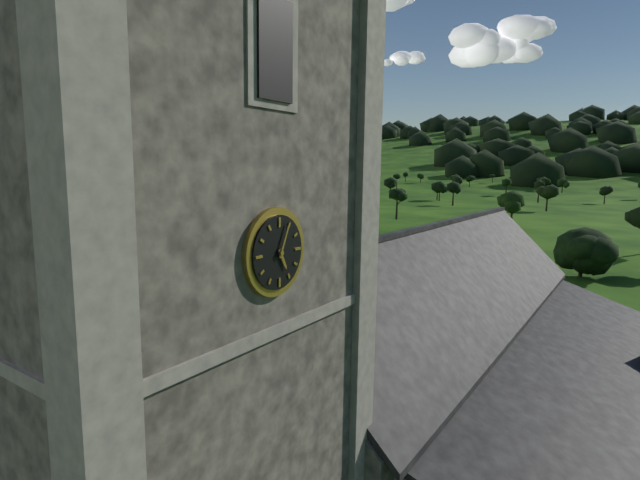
5:04
